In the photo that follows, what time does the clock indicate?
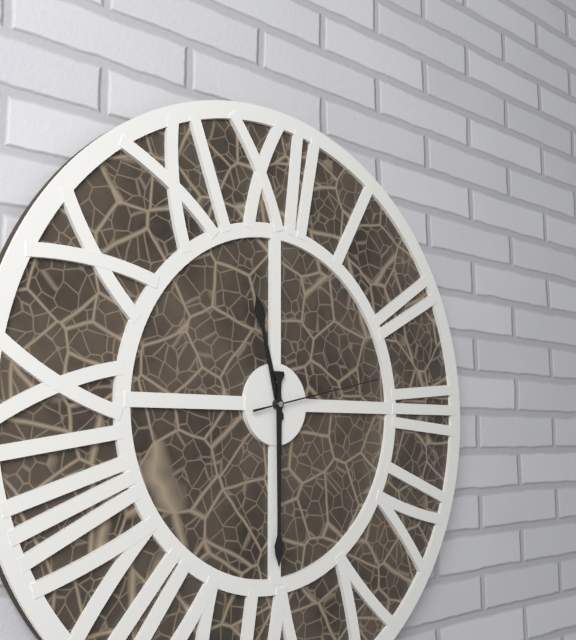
11:30:13
